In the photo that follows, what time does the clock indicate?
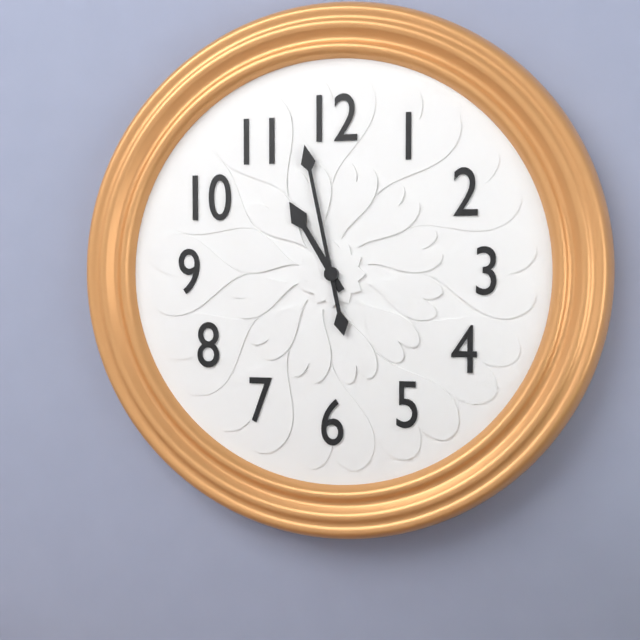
10:58
